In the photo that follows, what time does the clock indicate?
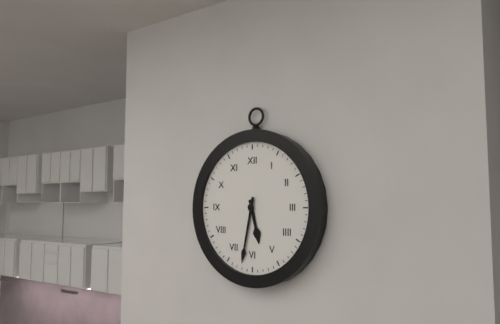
5:32
